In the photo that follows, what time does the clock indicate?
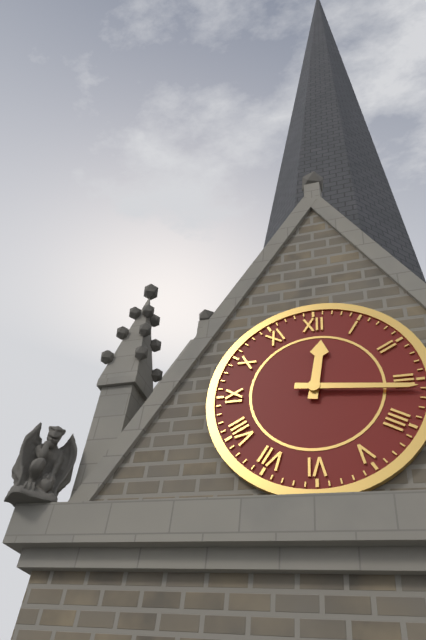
12:16
